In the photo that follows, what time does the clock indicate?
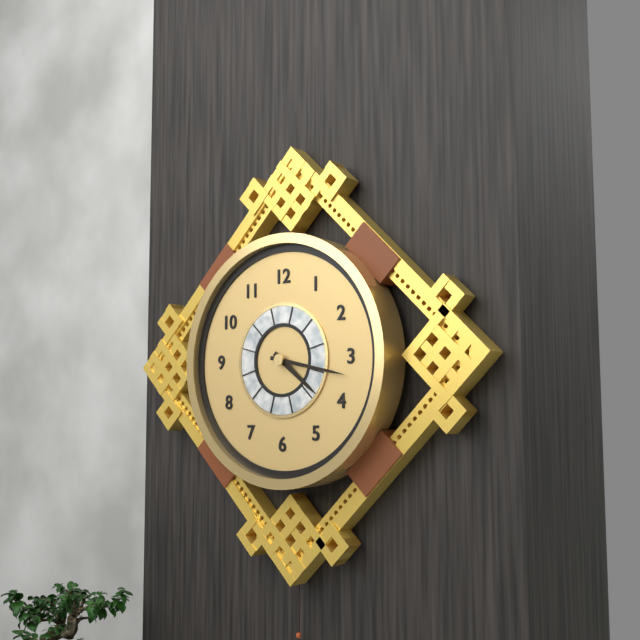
4:17
